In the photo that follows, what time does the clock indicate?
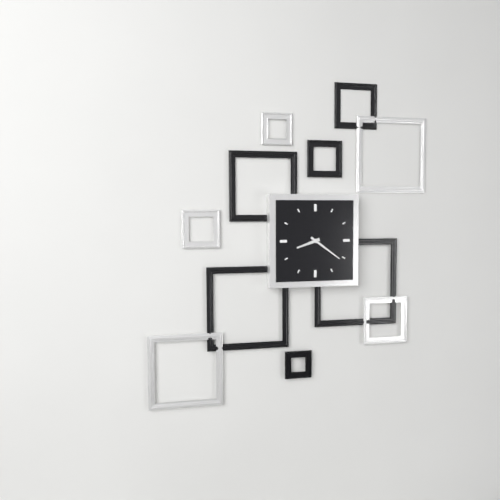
8:21
